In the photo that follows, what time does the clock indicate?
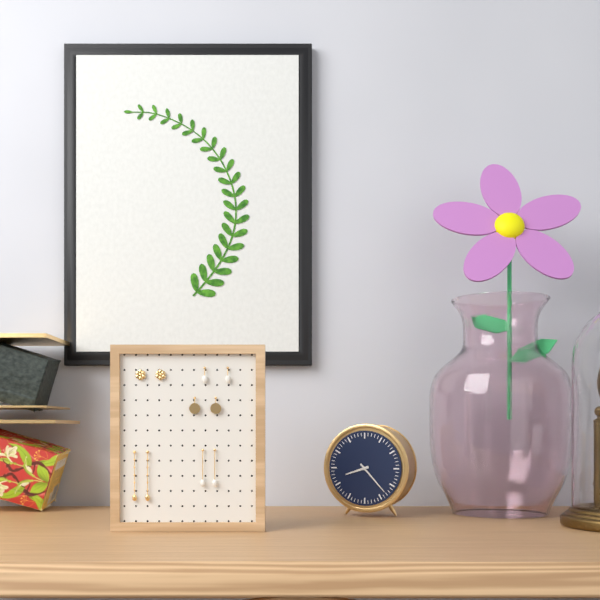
8:23
